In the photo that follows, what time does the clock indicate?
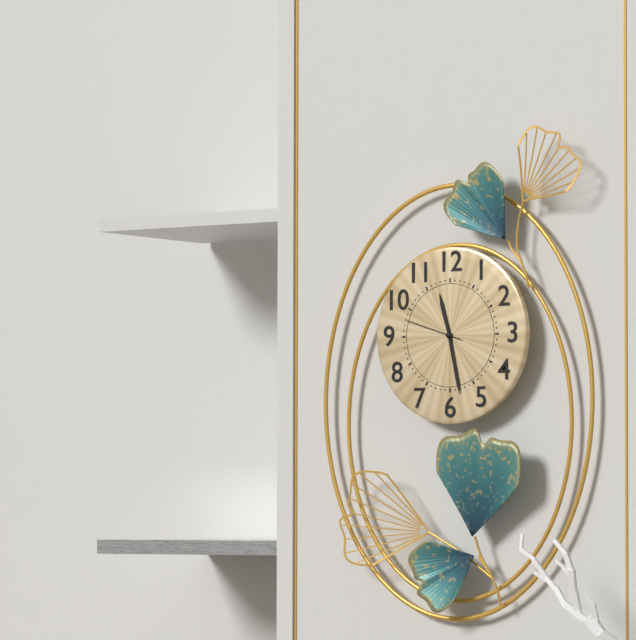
11:28:48
